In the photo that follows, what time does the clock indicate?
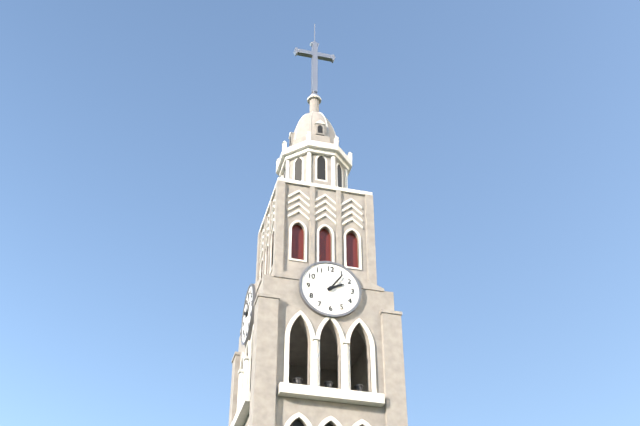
2:06
